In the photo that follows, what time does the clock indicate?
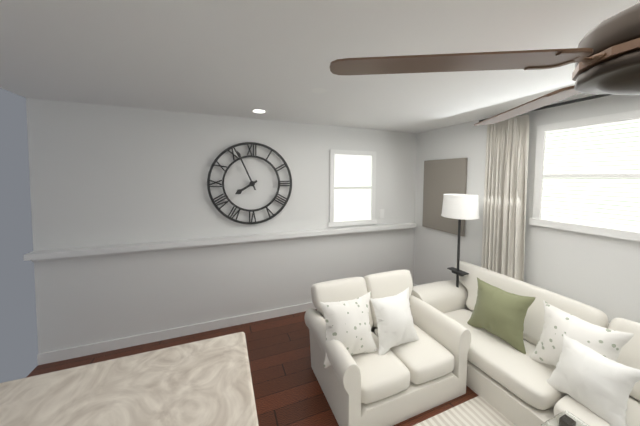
7:56
